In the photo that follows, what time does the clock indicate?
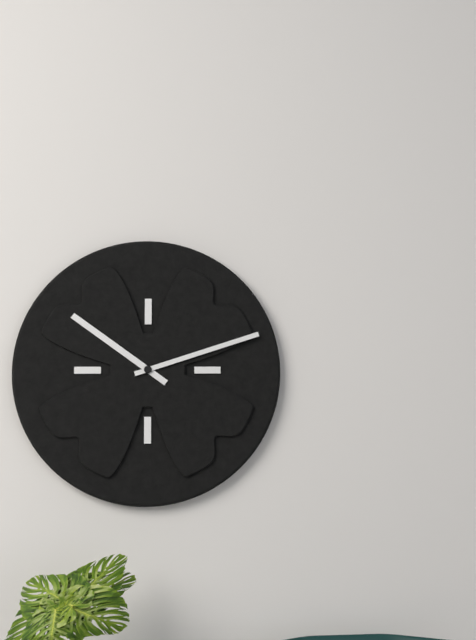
10:12
